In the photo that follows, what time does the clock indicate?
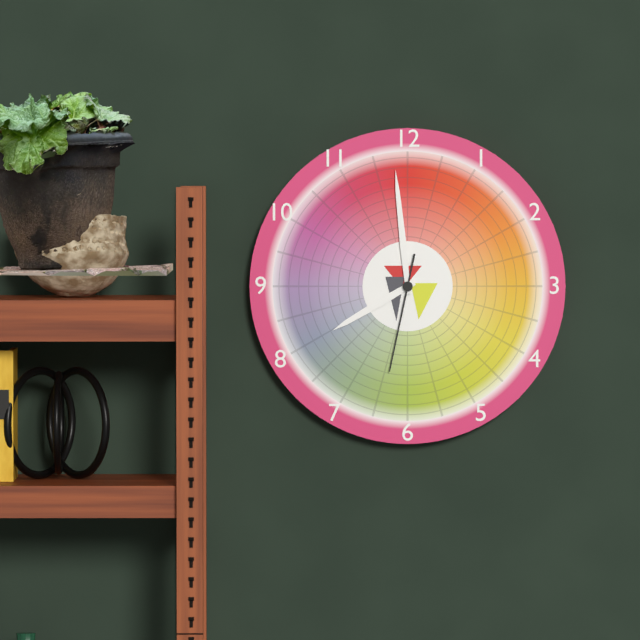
7:59:32
